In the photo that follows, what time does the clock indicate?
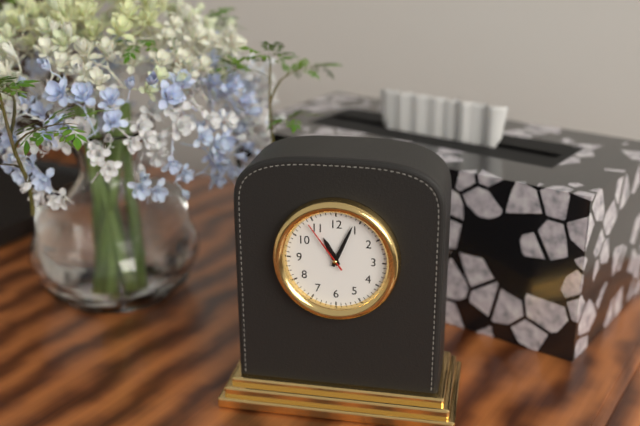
11:04:54
